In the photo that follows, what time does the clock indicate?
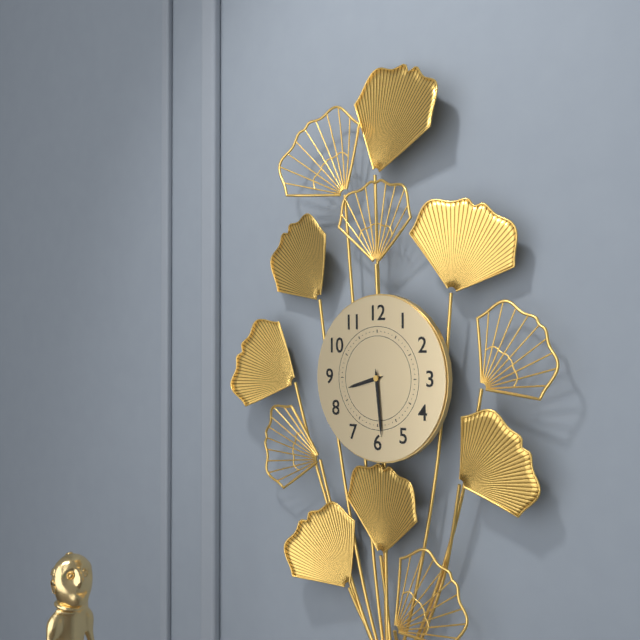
8:29
